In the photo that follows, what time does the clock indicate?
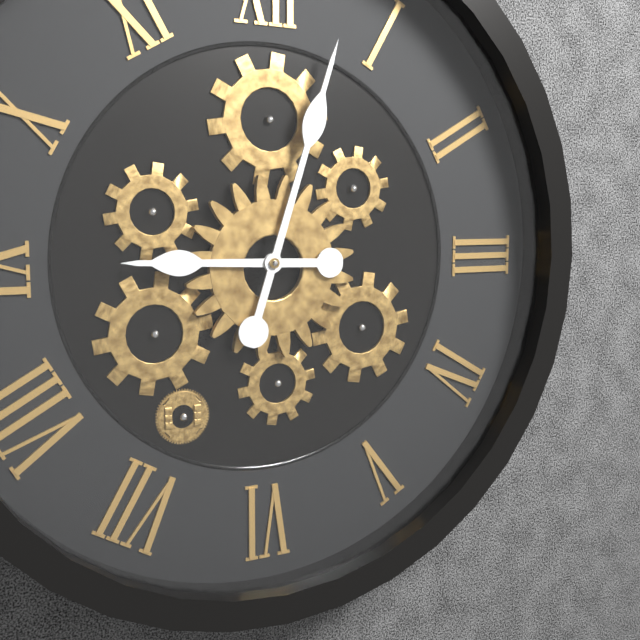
9:03
